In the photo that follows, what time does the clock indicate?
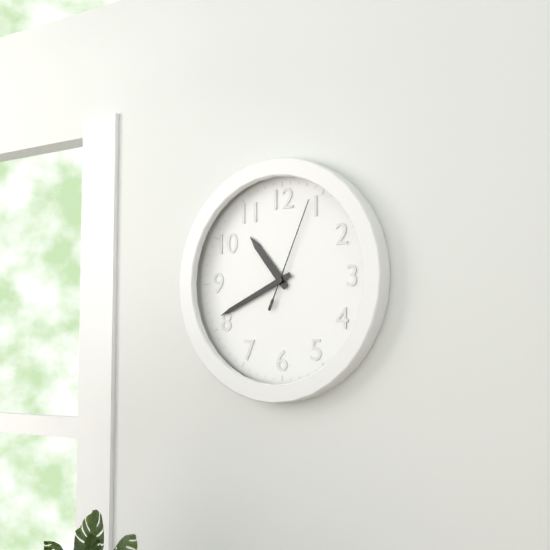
10:41:04
